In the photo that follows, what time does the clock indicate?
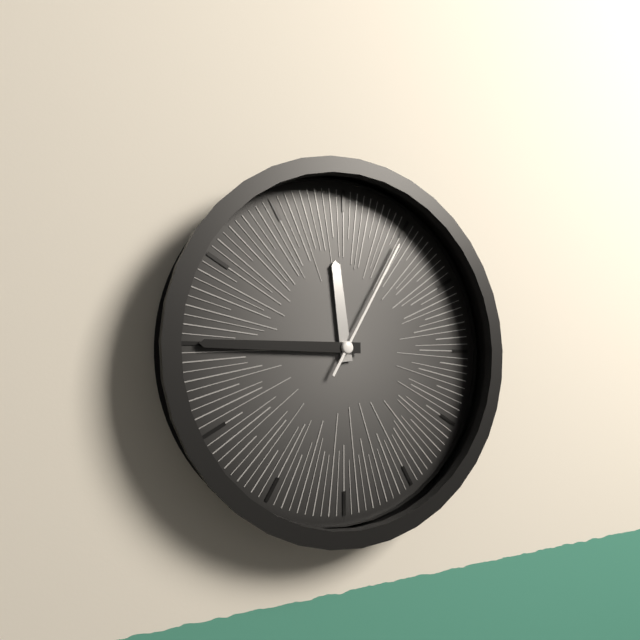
11:45:05
